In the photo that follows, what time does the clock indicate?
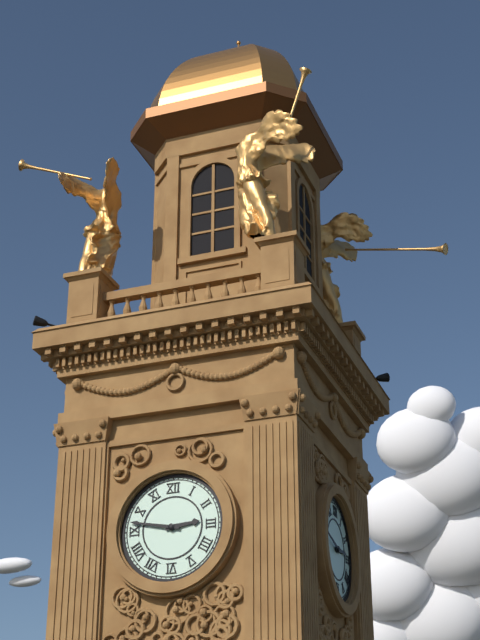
2:47
